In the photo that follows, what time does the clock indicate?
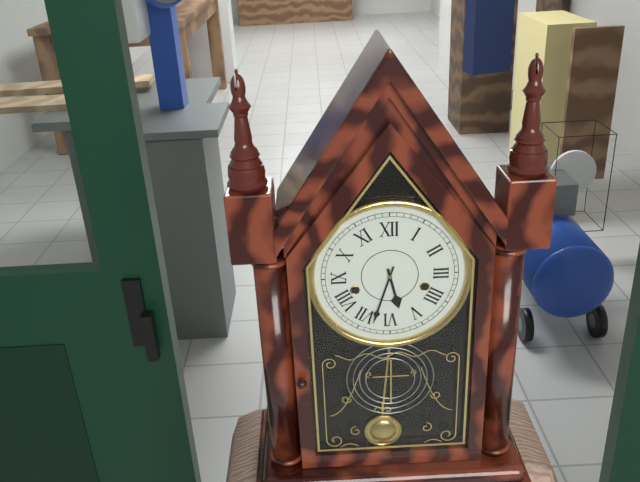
5:33
